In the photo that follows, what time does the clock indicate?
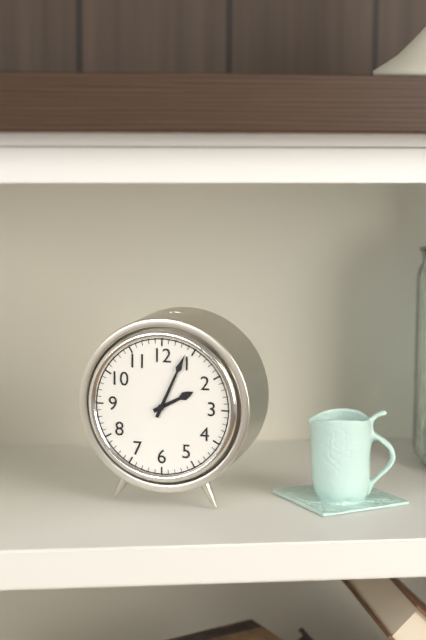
2:04
